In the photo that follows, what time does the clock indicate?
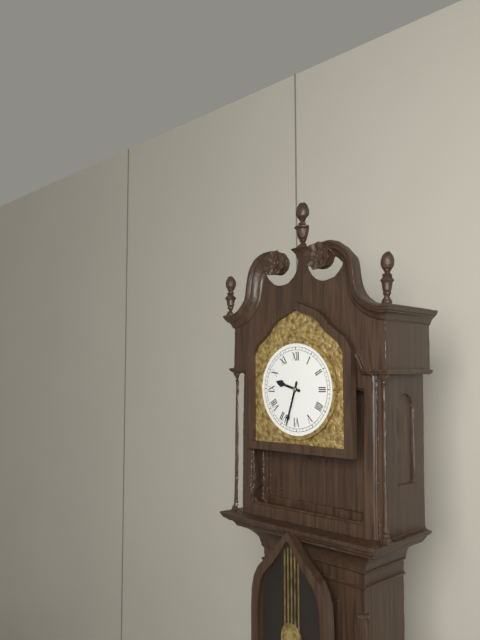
9:33
